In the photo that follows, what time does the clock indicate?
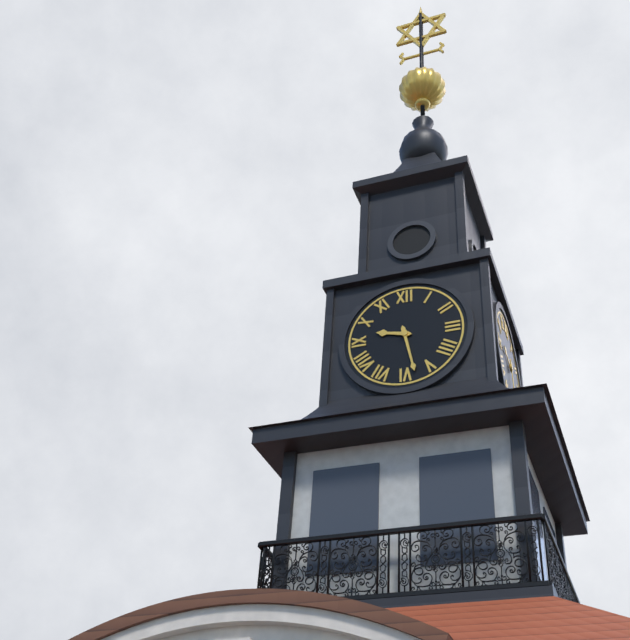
9:28
